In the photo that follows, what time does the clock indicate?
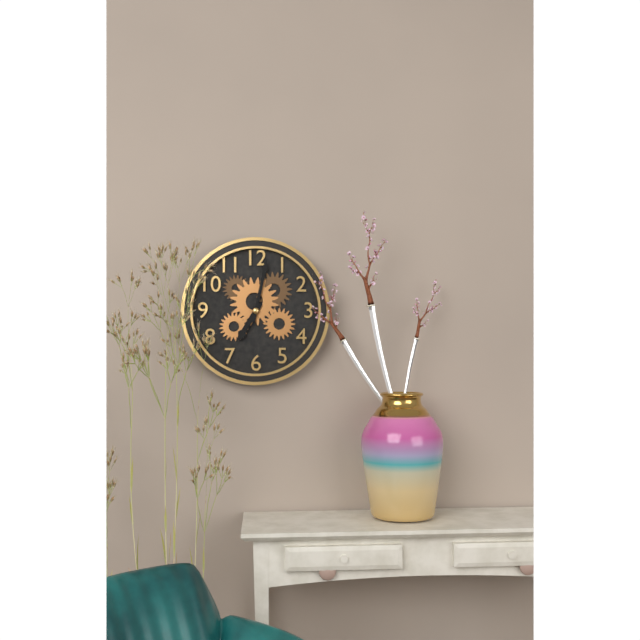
7:02
